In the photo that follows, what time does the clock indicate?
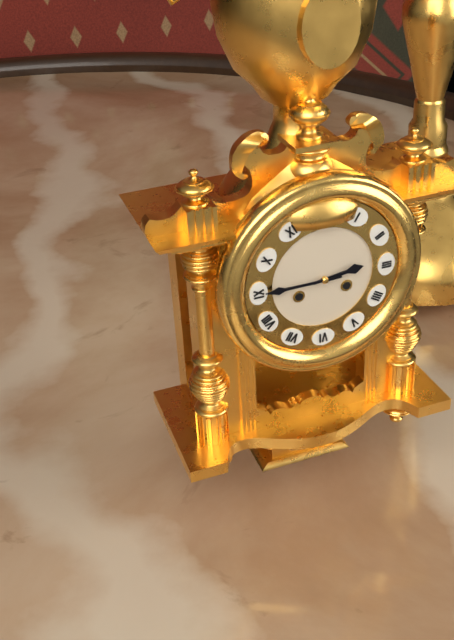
2:45
